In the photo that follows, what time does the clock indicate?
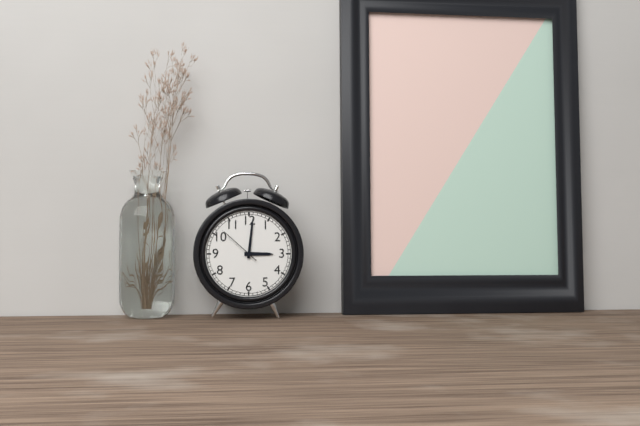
3:01
